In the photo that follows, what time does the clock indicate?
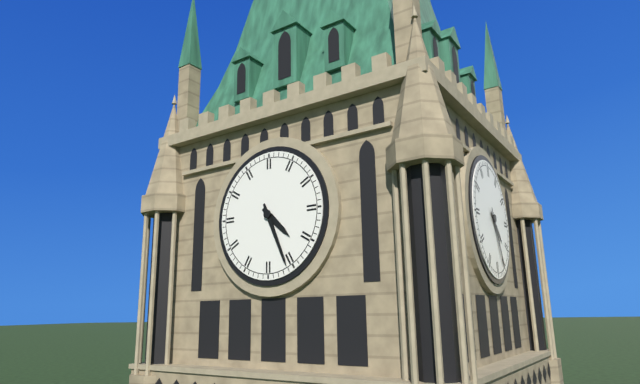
4:26
